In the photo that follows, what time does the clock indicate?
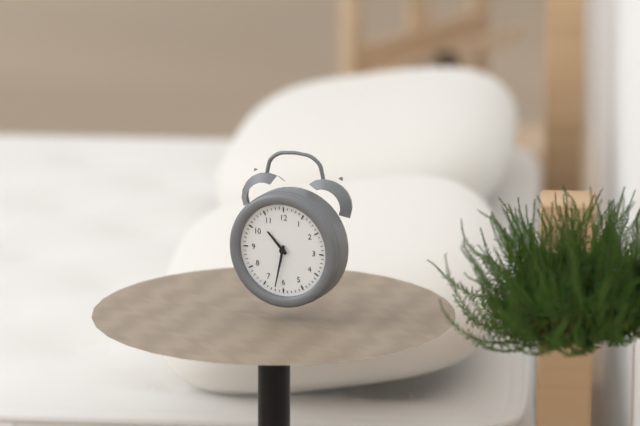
10:32
